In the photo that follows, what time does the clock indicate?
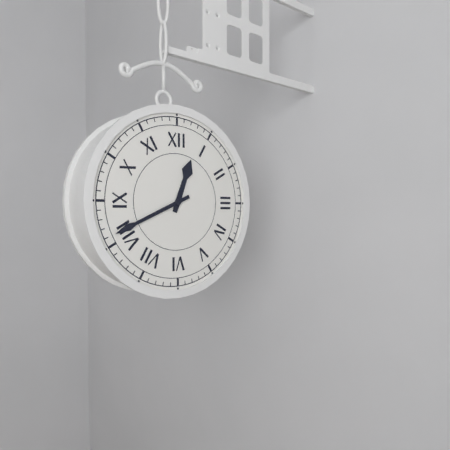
12:41
